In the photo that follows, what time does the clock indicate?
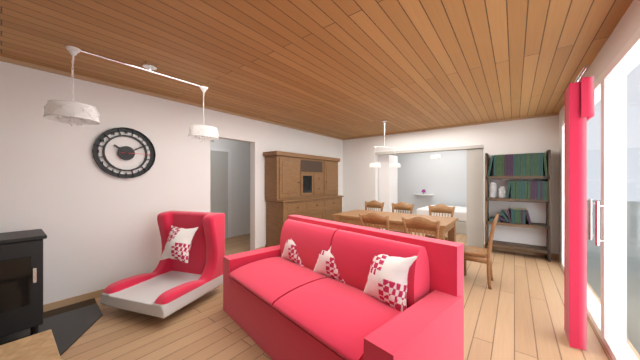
10:10
